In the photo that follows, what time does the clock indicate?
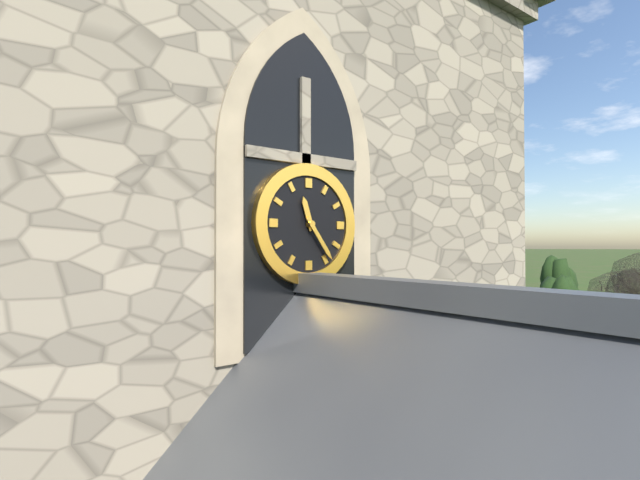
11:24
